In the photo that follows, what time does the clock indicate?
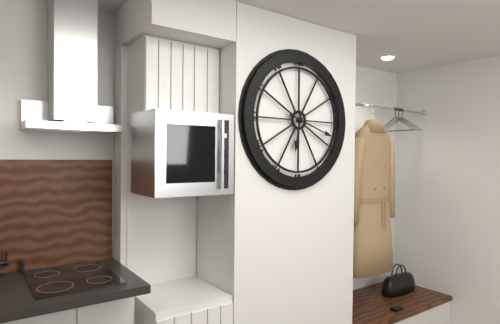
6:18
